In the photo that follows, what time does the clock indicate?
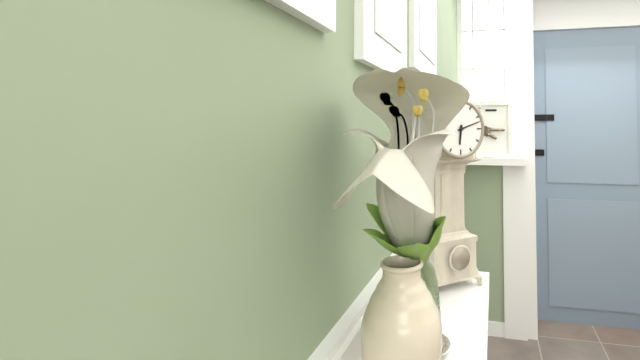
6:12
